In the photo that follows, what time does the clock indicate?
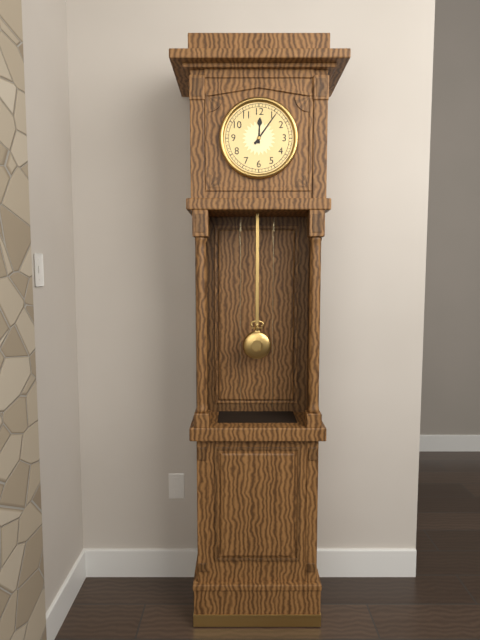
12:06
